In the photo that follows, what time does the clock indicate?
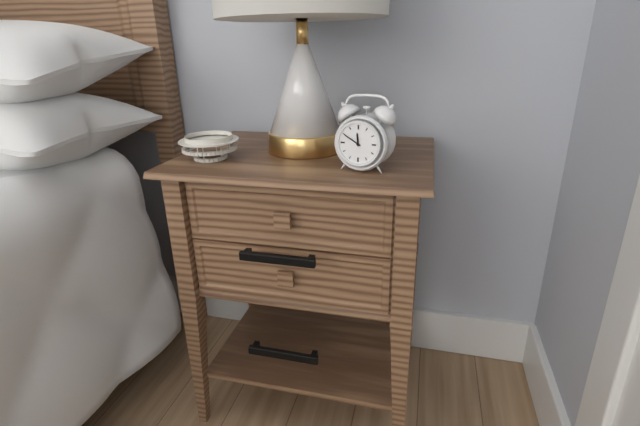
11:50
